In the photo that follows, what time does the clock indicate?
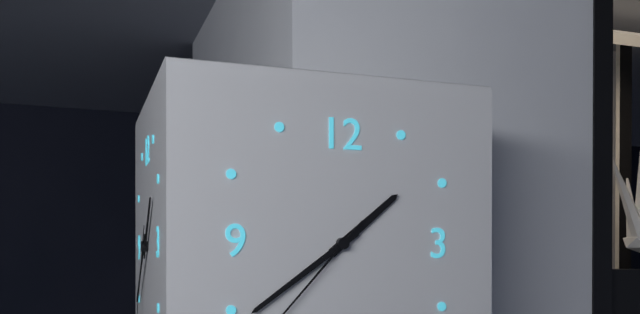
1:39
